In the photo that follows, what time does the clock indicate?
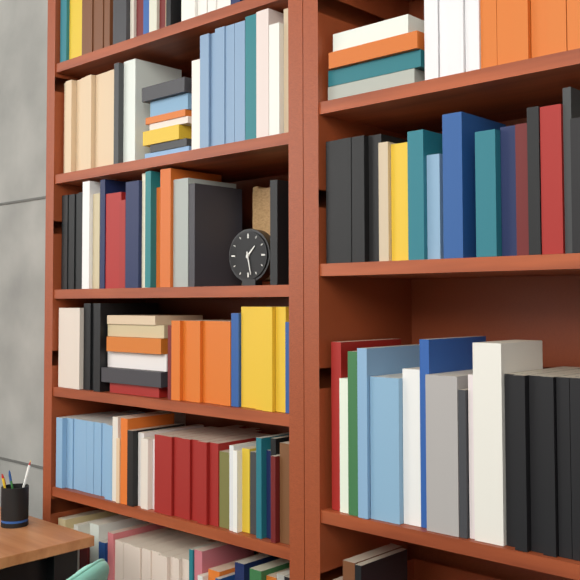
1:28
